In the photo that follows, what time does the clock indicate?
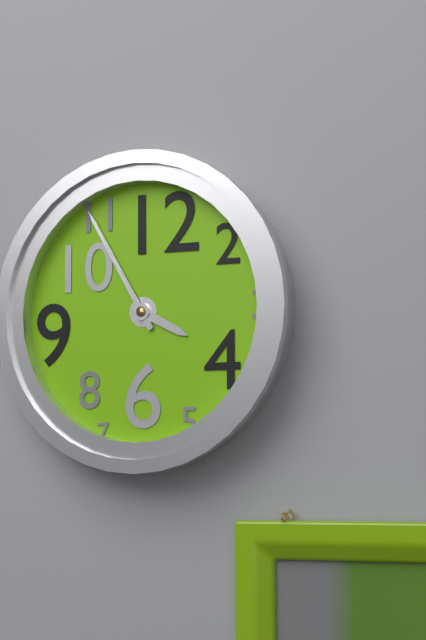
3:55
